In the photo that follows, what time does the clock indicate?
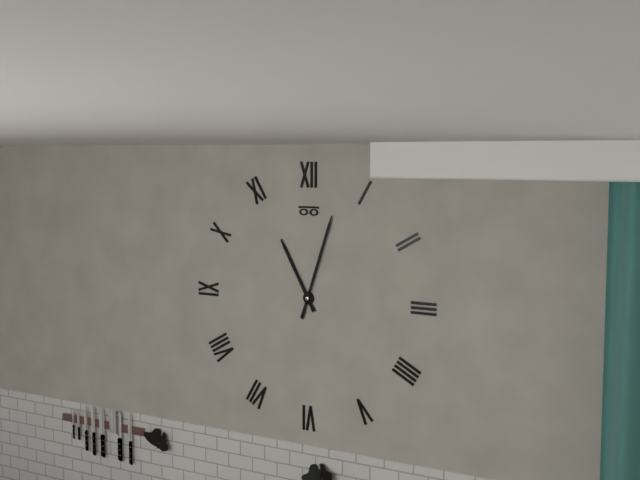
11:03
